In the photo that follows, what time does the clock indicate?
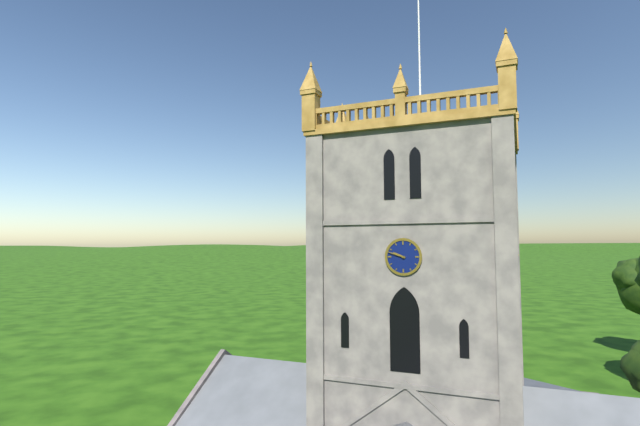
9:48
